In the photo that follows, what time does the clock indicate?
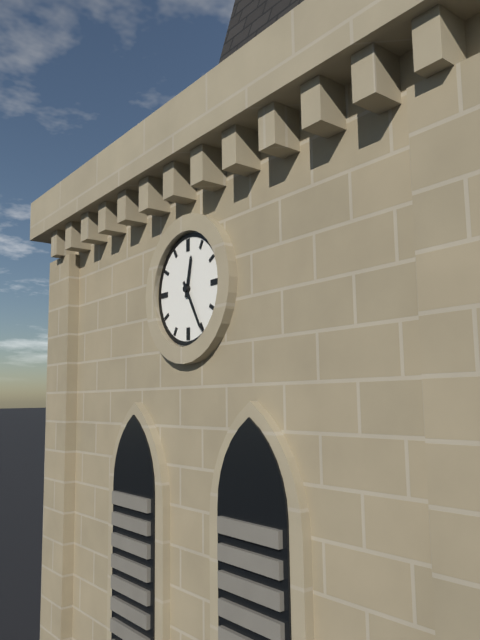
12:25
